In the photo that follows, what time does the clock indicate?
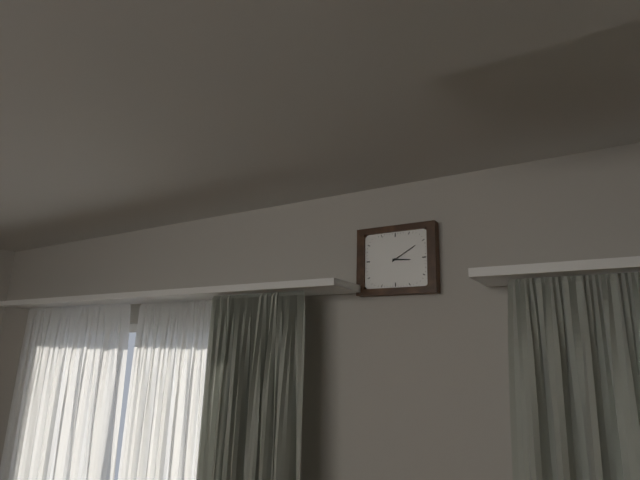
3:10
